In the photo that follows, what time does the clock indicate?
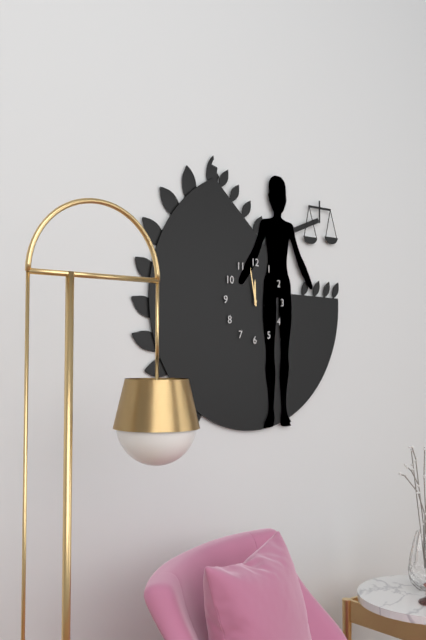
11:58
